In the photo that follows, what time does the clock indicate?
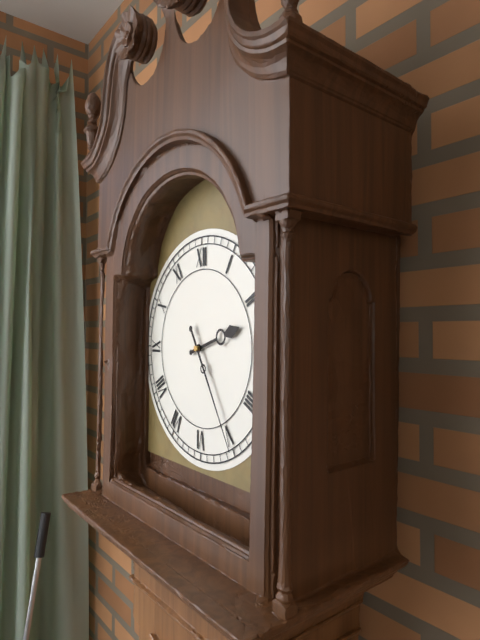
2:25
